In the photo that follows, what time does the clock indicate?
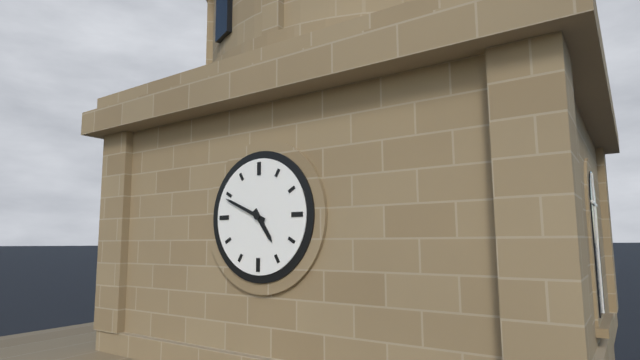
4:49
